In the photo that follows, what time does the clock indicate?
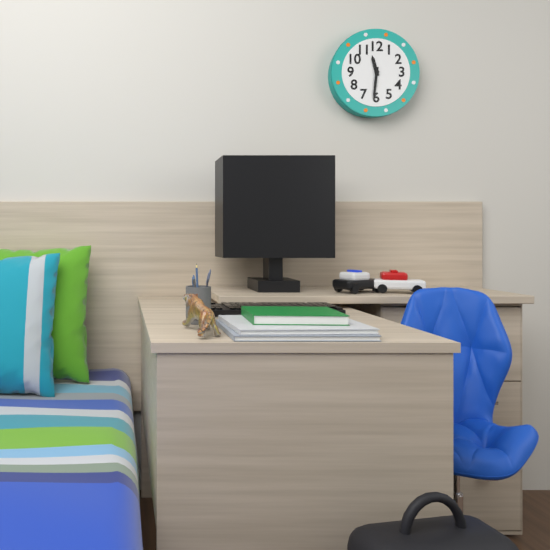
11:31
